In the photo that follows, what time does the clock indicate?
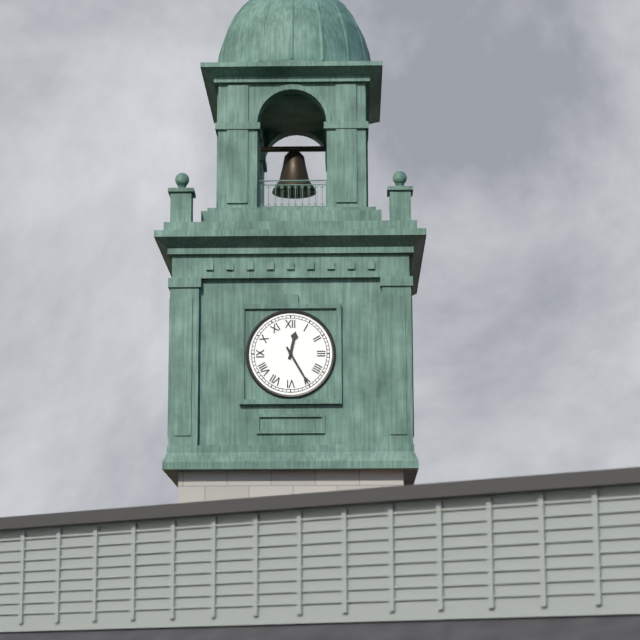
12:25
